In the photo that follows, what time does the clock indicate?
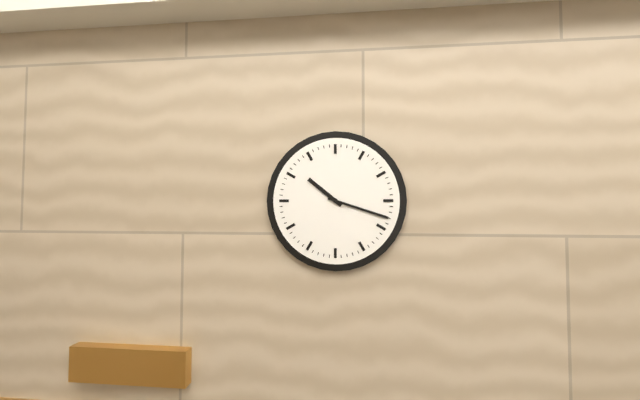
10:18
